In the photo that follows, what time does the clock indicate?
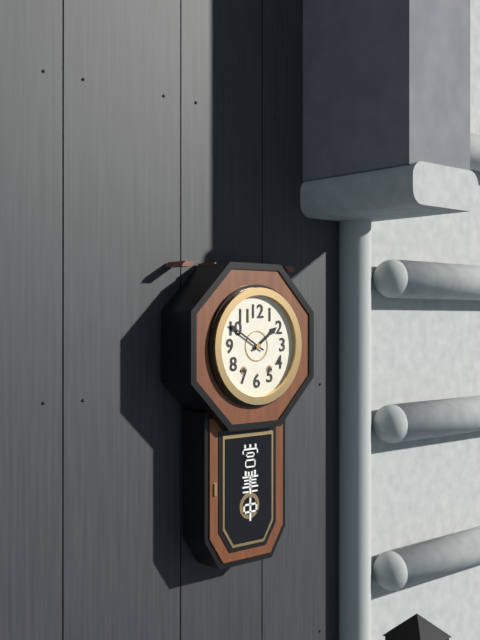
1:50
